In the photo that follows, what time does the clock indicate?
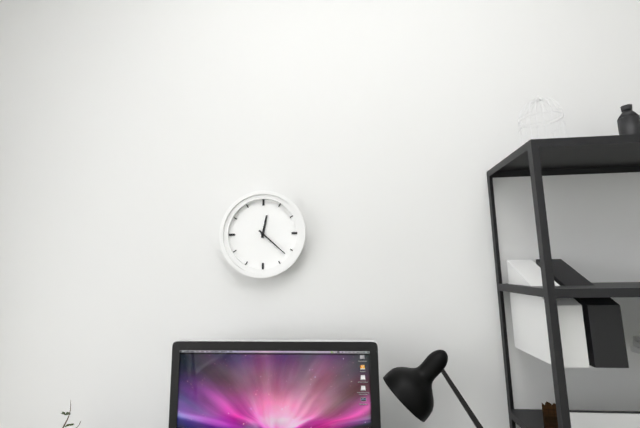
12:22
